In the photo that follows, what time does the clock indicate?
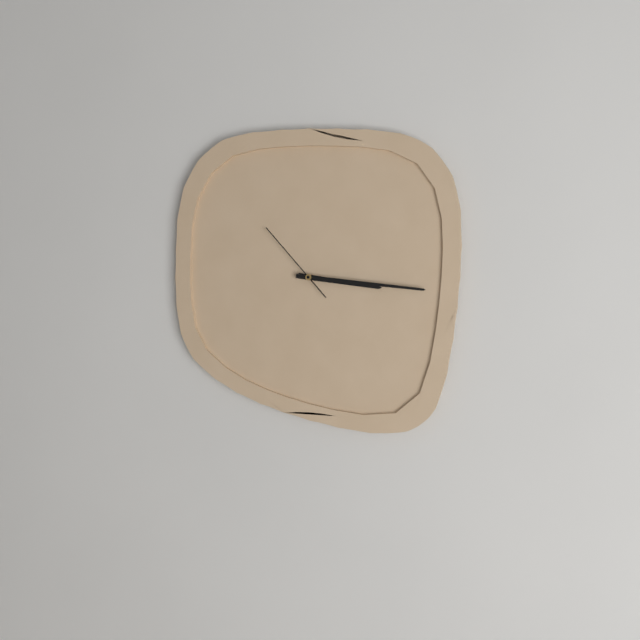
3:16:53
